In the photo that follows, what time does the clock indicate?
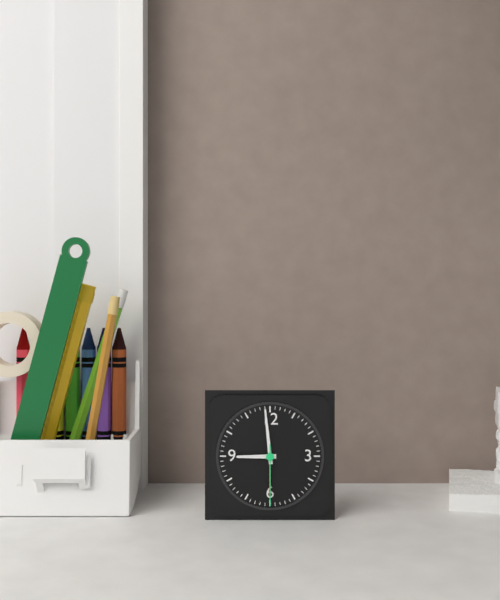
8:59:30
